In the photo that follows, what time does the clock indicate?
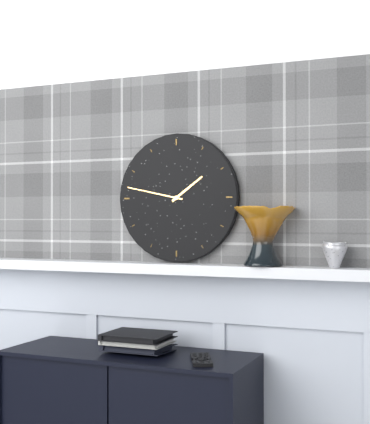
1:47
